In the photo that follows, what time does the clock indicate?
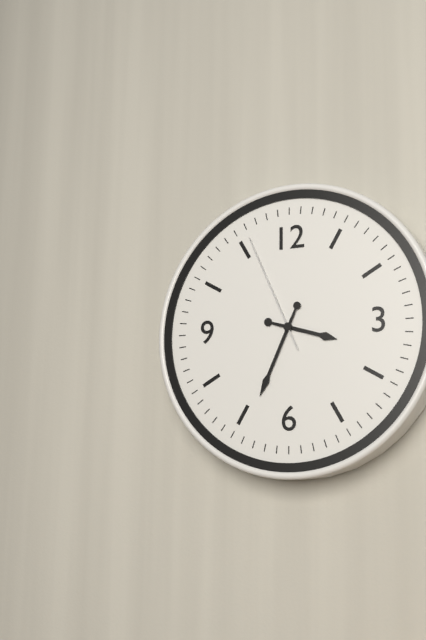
3:34:56
